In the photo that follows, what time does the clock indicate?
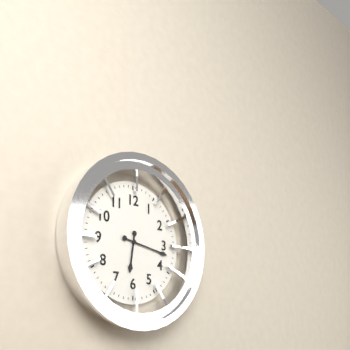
6:17
